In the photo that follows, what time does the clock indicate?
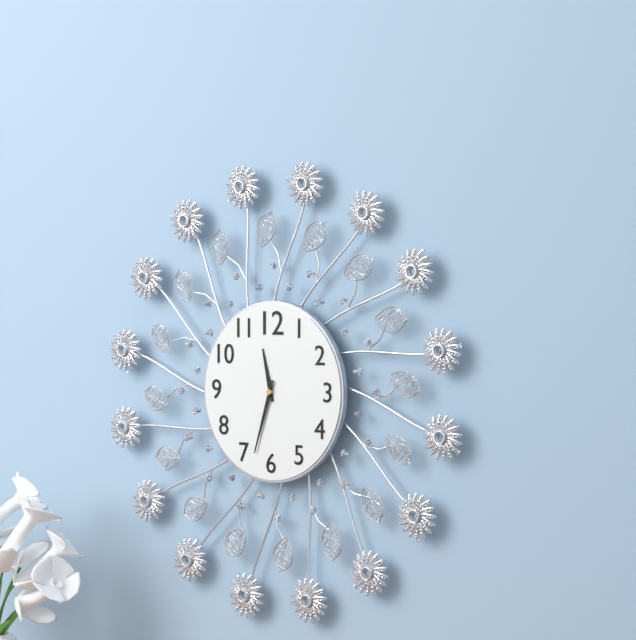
11:33
